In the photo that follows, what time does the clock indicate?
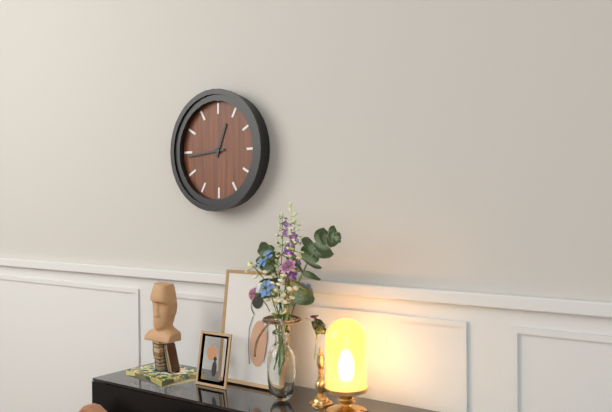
12:44
